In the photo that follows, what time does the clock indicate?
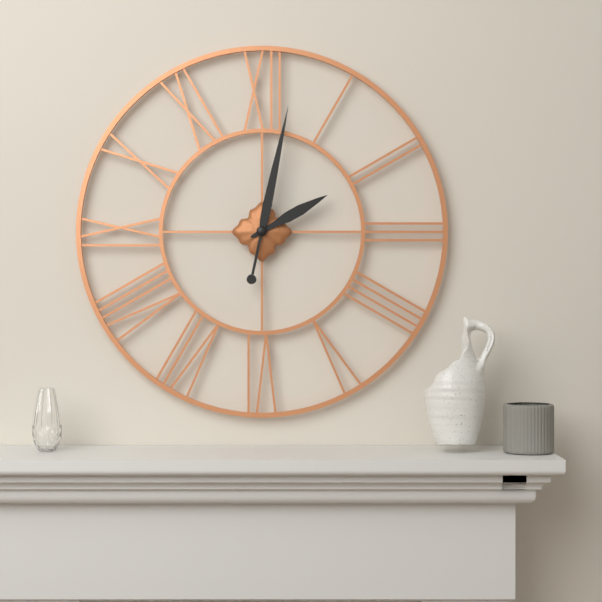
2:02
